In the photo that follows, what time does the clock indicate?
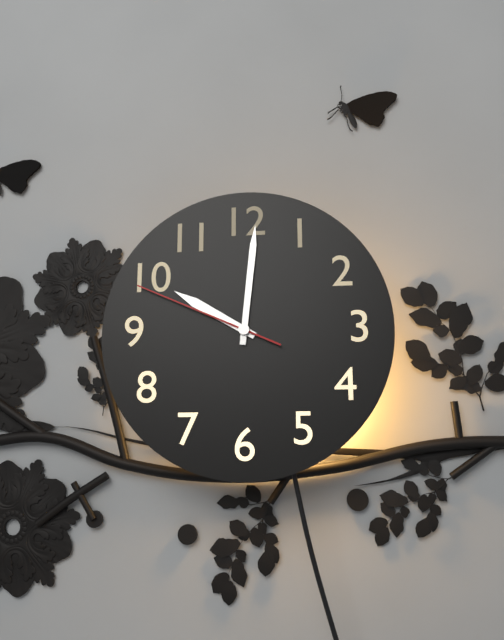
10:01:49
